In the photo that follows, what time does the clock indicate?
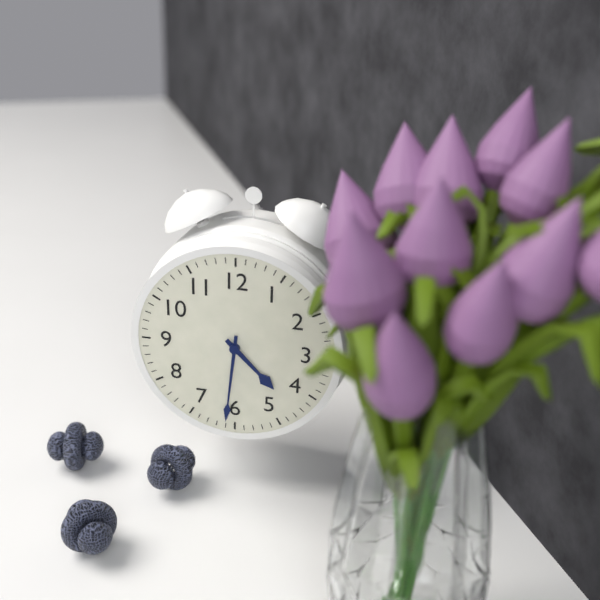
4:31
